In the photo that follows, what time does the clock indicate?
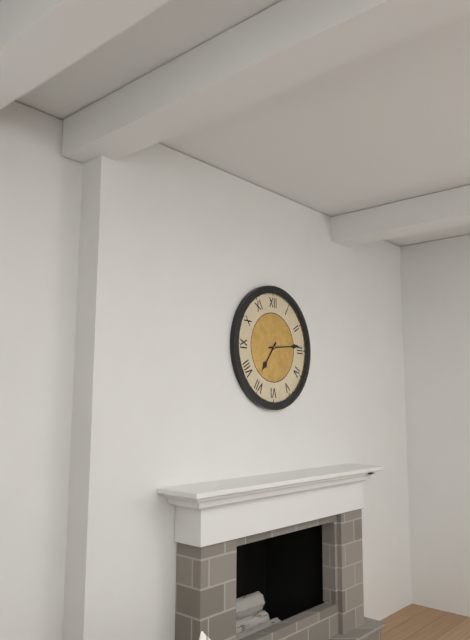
7:14
